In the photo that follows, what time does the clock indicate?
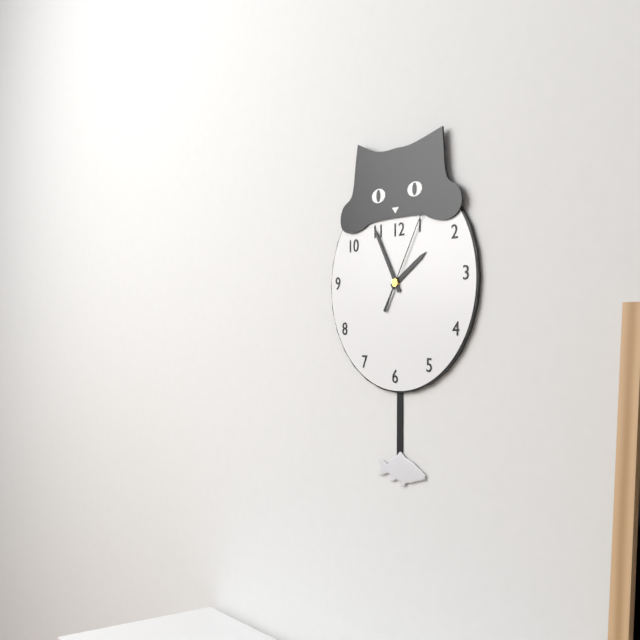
1:55:05
